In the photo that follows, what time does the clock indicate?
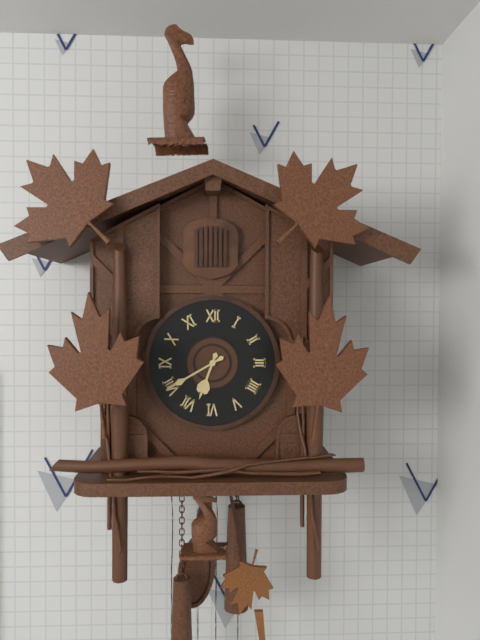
6:40
